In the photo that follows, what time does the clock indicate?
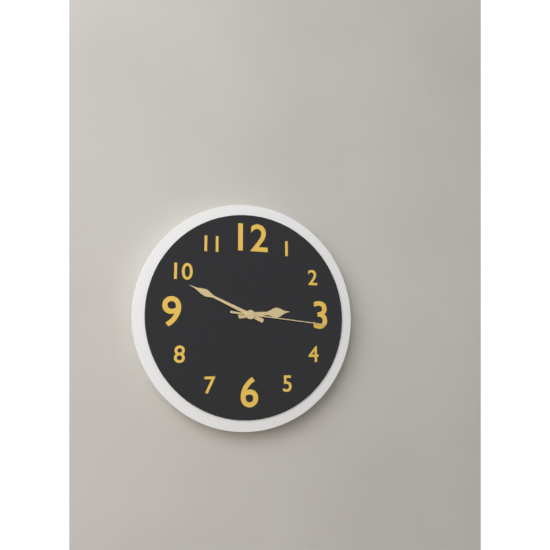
2:49:16
